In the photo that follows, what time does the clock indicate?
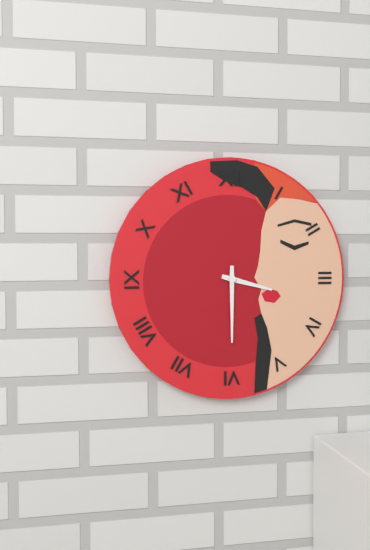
3:30
